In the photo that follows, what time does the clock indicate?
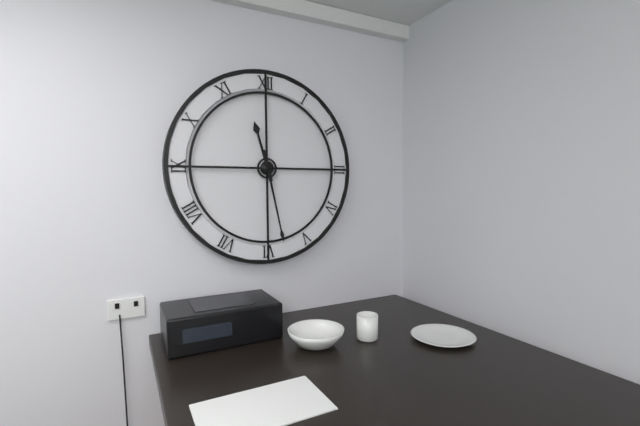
11:28
